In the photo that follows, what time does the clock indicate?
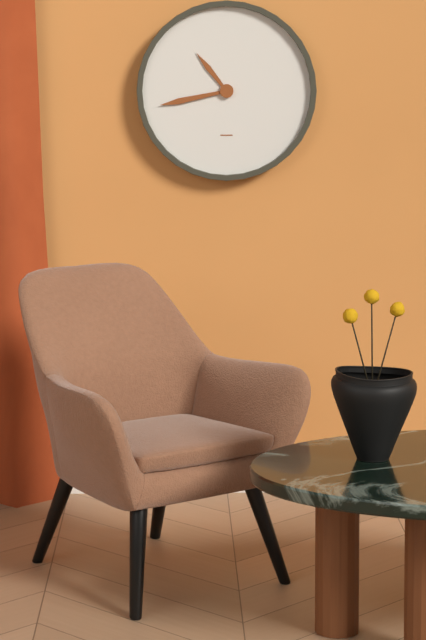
10:43
